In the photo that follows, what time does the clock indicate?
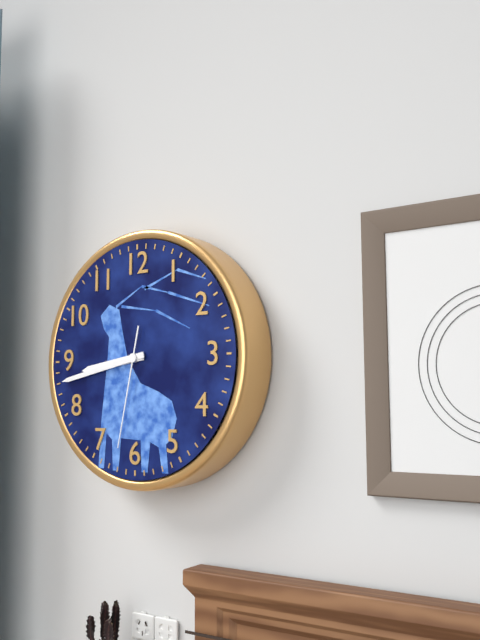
8:43:32
